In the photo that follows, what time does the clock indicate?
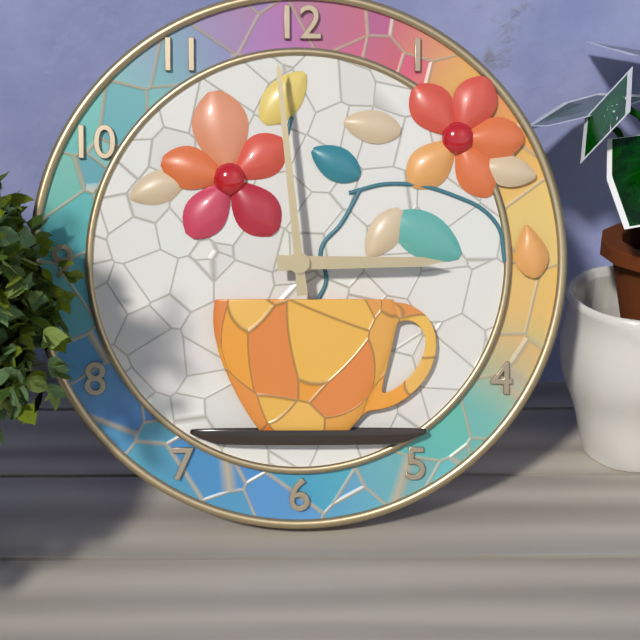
2:59
